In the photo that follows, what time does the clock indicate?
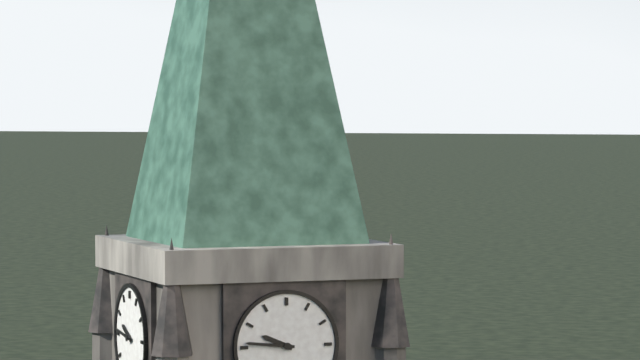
9:46
